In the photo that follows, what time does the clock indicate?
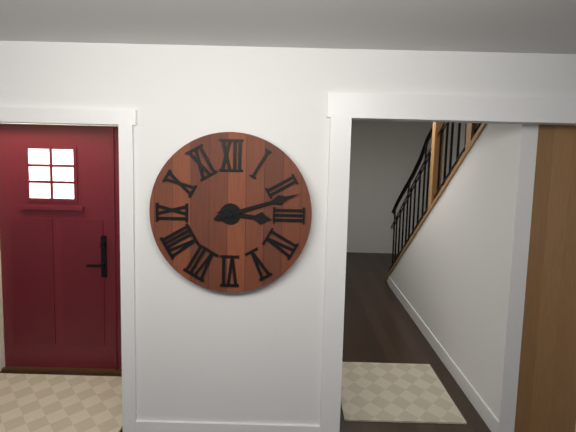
3:12
